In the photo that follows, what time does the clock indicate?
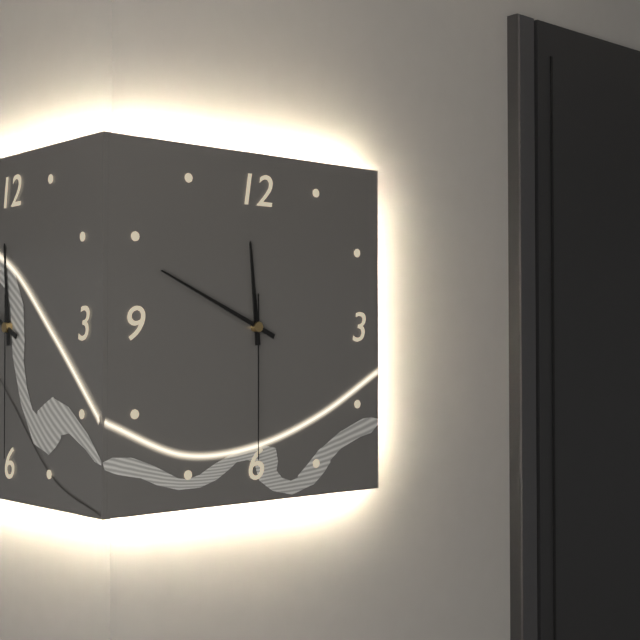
11:49:30
